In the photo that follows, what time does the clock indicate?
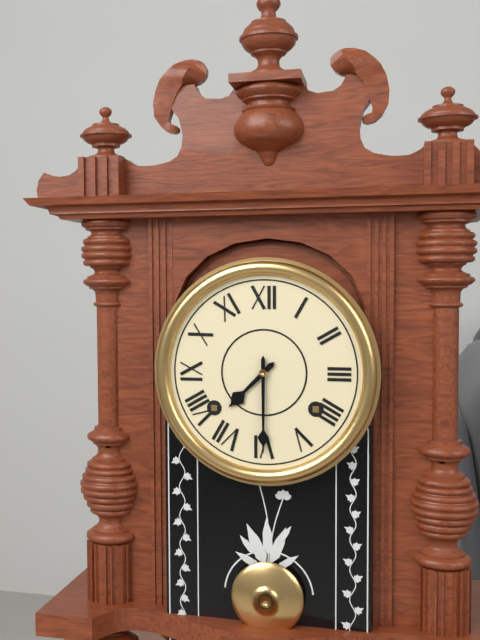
7:30
